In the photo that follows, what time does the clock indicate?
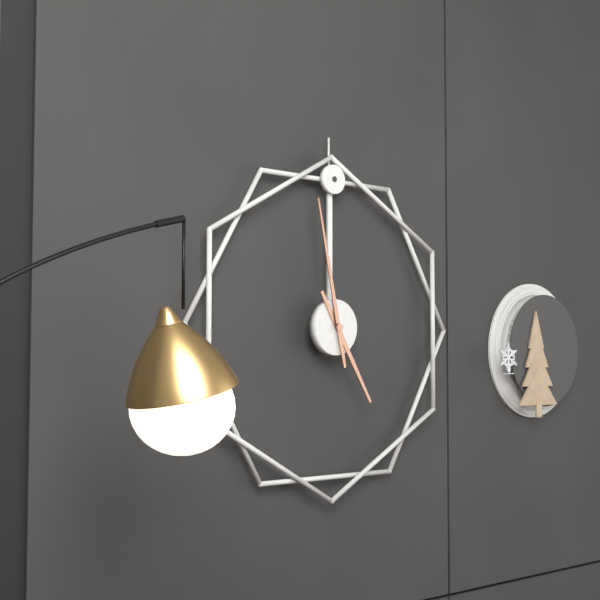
4:58
